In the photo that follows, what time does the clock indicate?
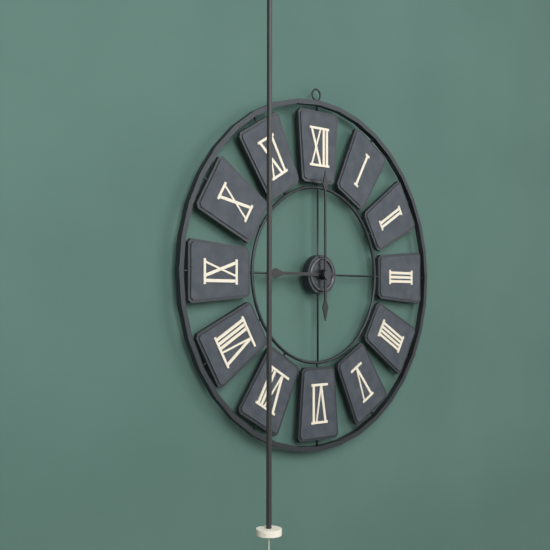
9:00
